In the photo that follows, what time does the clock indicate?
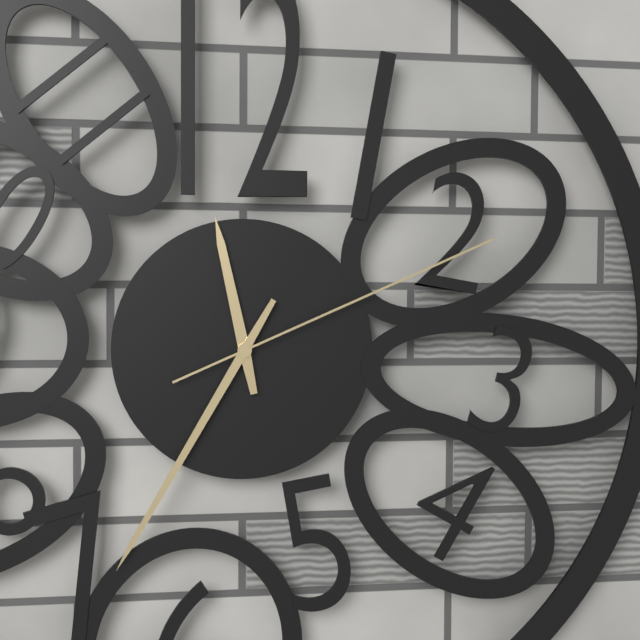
11:35:11
